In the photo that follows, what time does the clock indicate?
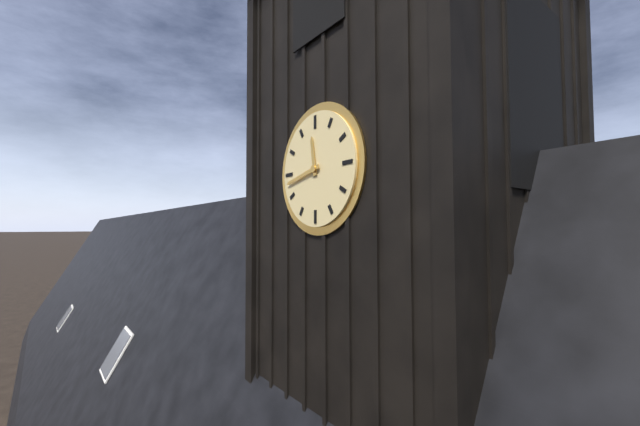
11:43
